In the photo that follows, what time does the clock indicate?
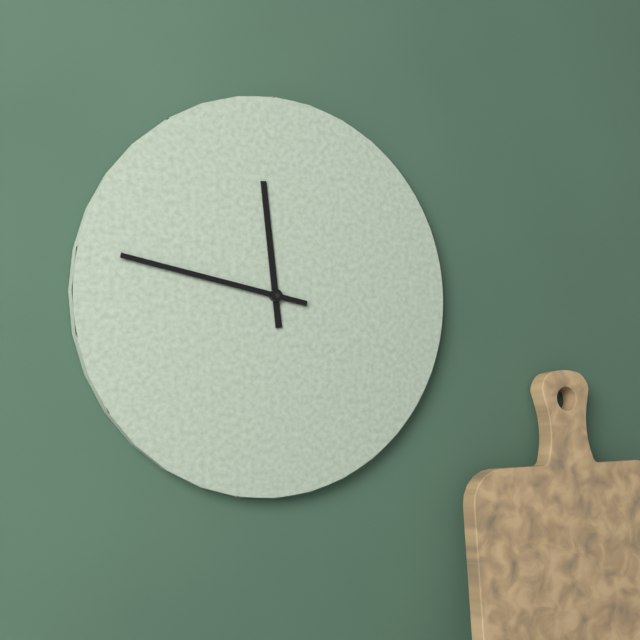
11:47
